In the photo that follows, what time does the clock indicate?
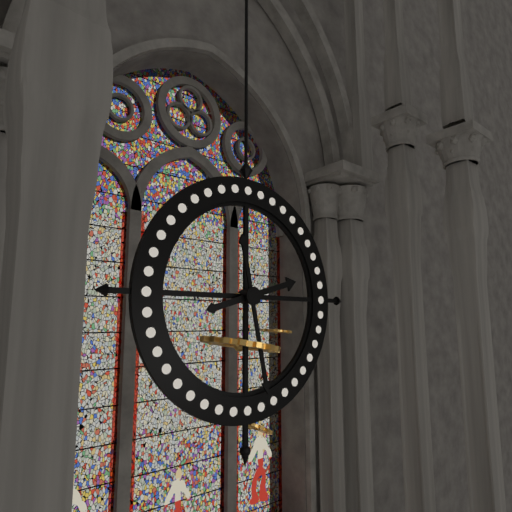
2:28
